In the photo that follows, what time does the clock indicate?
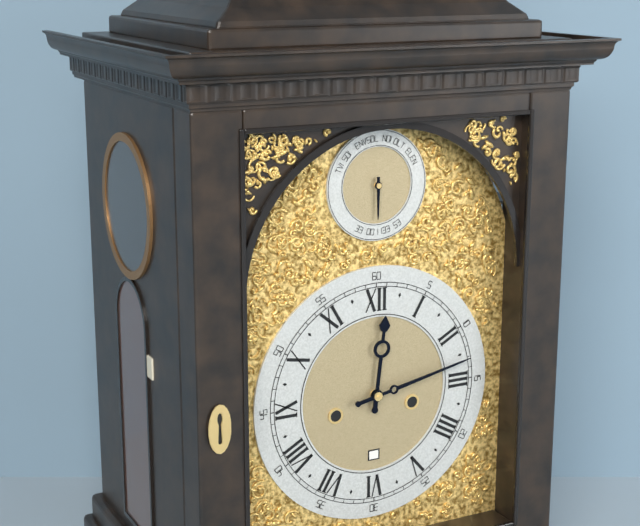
12:13
